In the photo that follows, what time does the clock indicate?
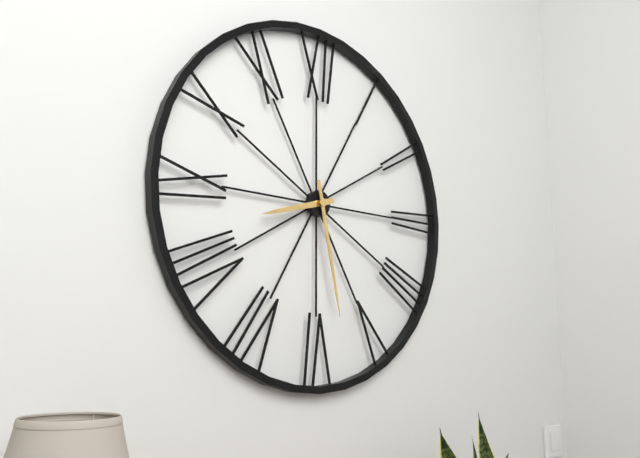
8:28
